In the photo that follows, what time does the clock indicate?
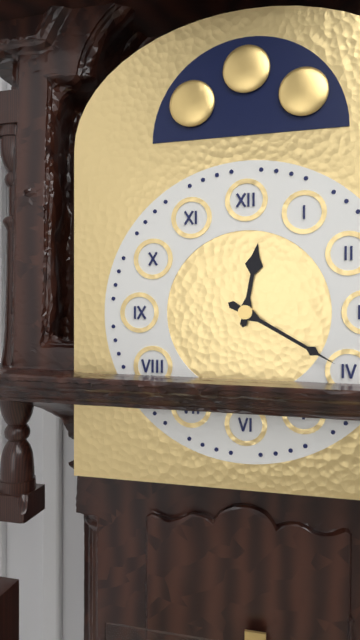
12:20
